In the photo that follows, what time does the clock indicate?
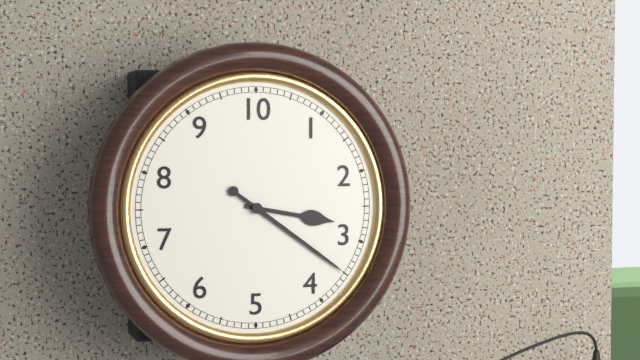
3:21
